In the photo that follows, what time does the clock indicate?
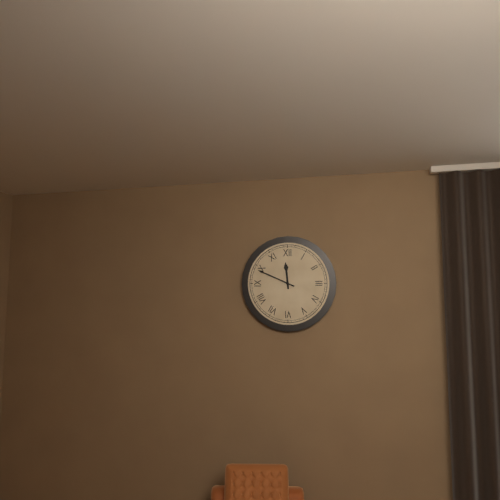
11:49
